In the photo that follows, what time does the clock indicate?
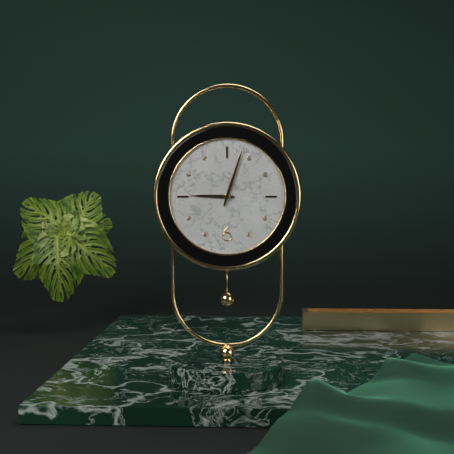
9:03
